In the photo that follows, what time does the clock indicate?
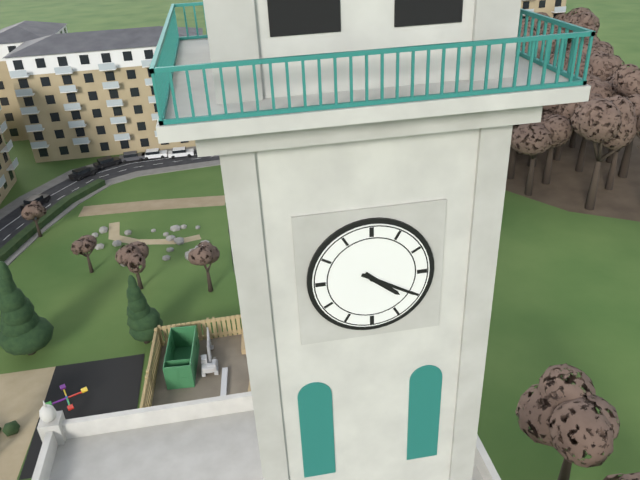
4:20
